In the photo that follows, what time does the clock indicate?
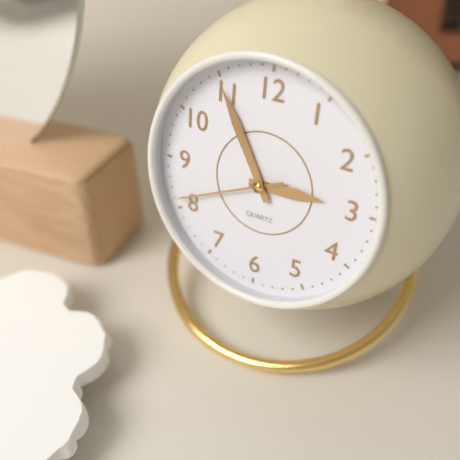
2:55:41
